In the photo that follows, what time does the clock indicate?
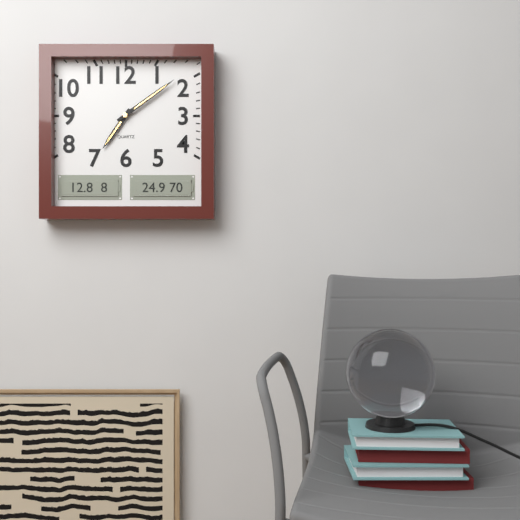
7:09
